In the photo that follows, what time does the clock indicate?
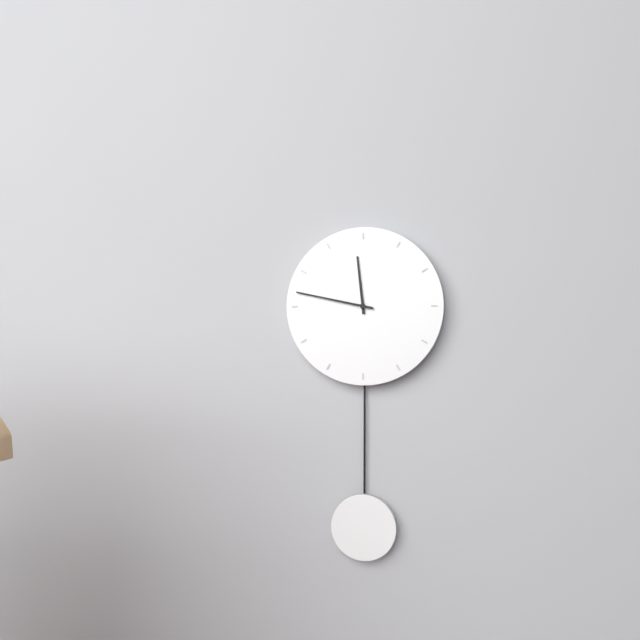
11:47
